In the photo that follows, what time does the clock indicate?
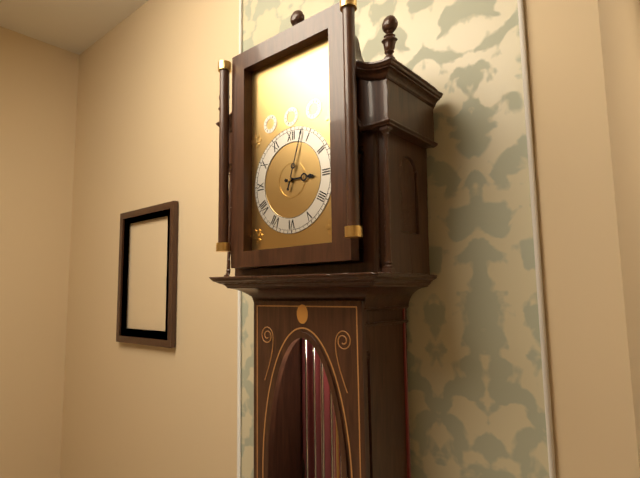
3:03
